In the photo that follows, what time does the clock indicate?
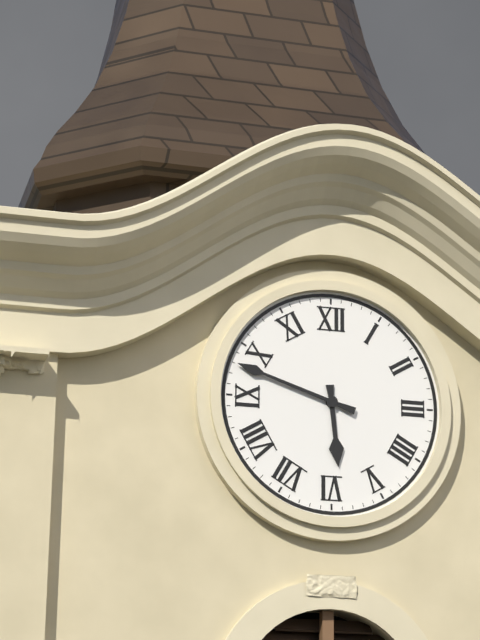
5:48
